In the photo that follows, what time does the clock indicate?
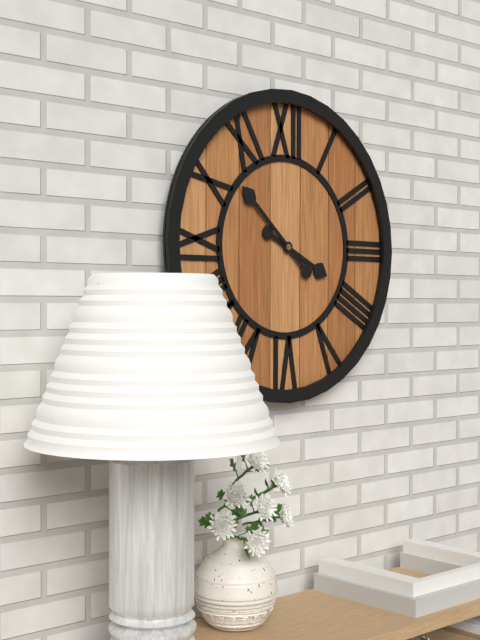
3:52
